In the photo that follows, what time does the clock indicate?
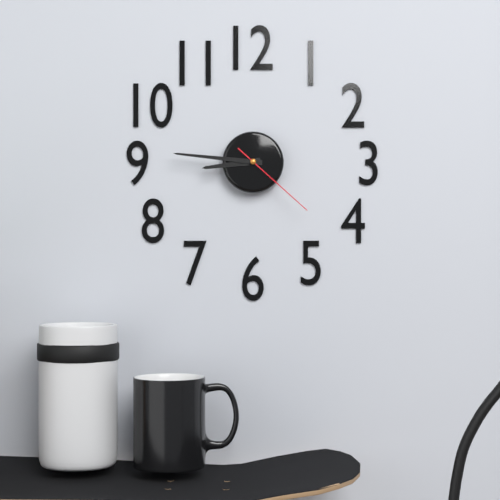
8:46:22
